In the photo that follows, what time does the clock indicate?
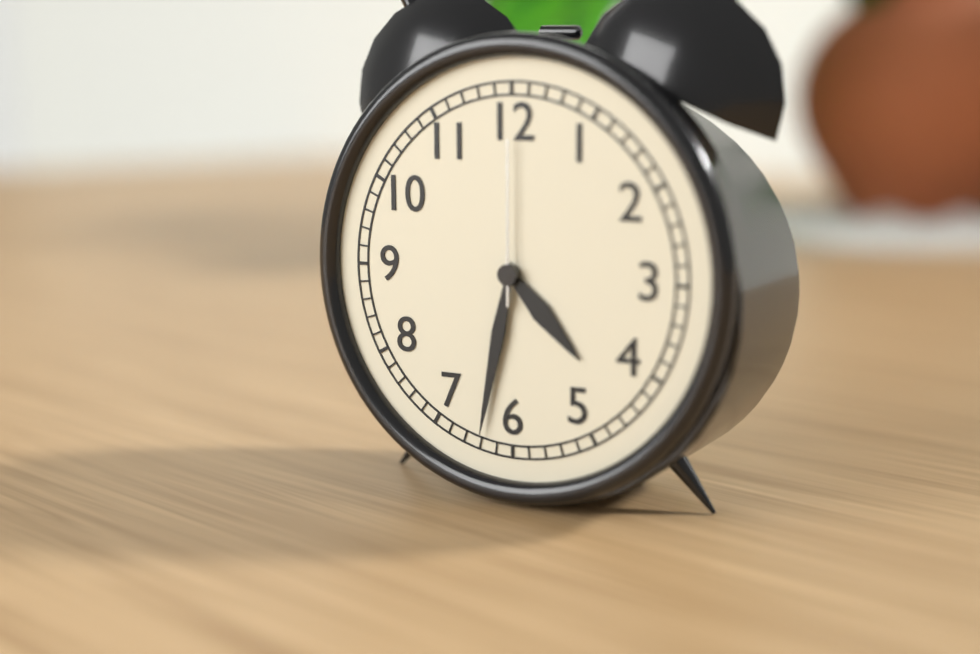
4:32:00
